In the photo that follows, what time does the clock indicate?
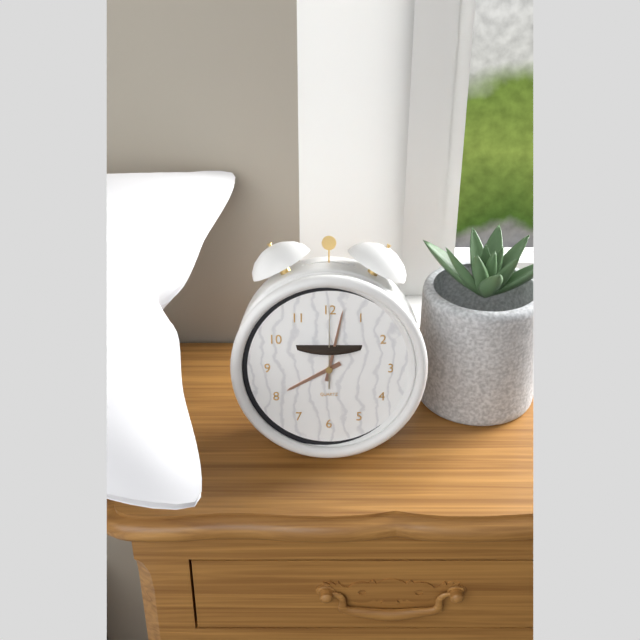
8:02:00
